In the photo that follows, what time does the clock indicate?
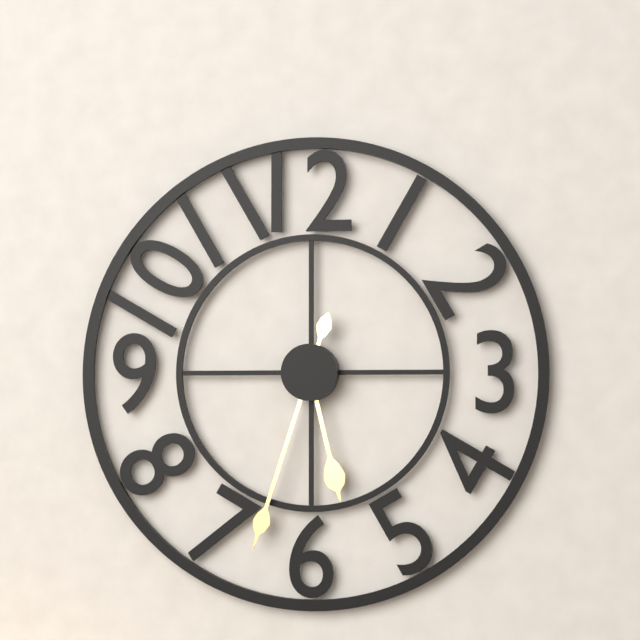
5:33
